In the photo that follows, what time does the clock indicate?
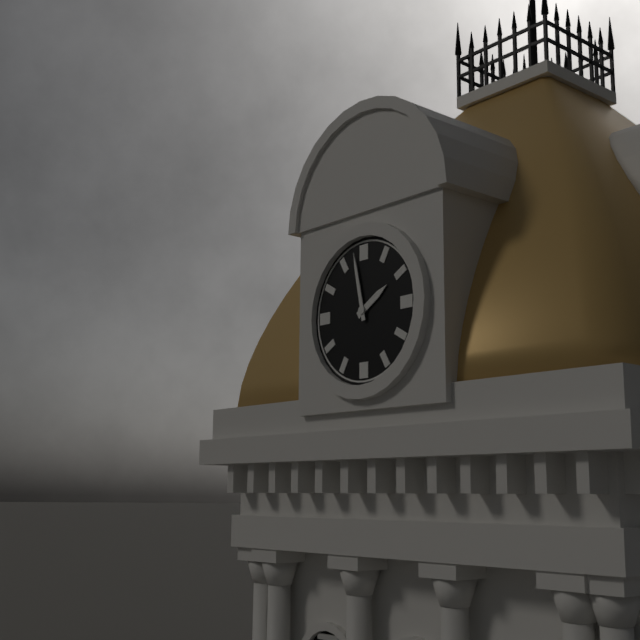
1:58
